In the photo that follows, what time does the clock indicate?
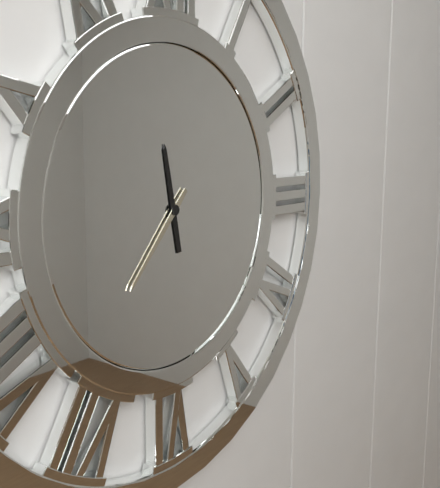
11:37
